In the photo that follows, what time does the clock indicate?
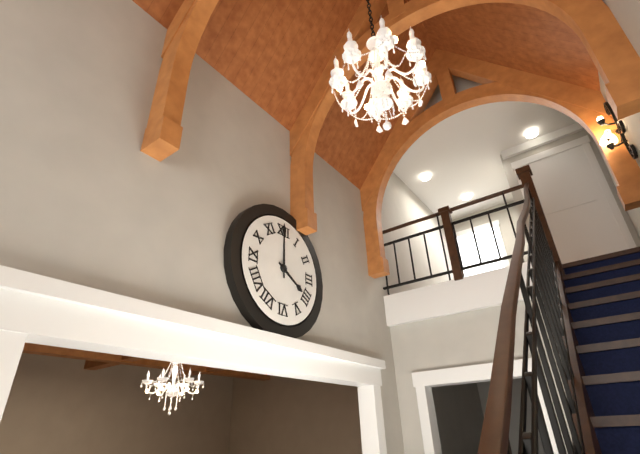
4:00
